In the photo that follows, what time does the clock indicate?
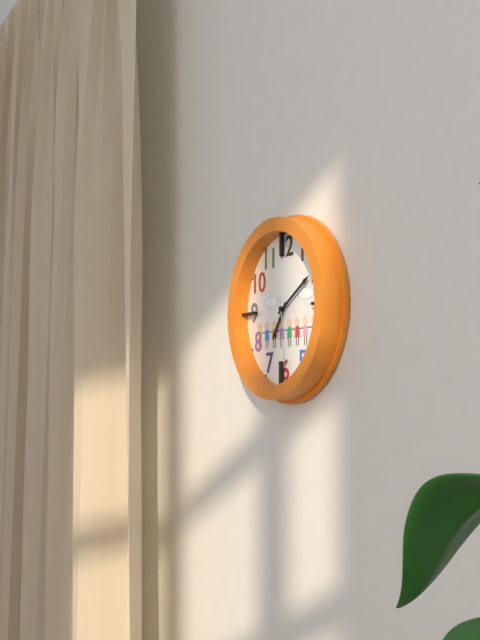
7:10:29
